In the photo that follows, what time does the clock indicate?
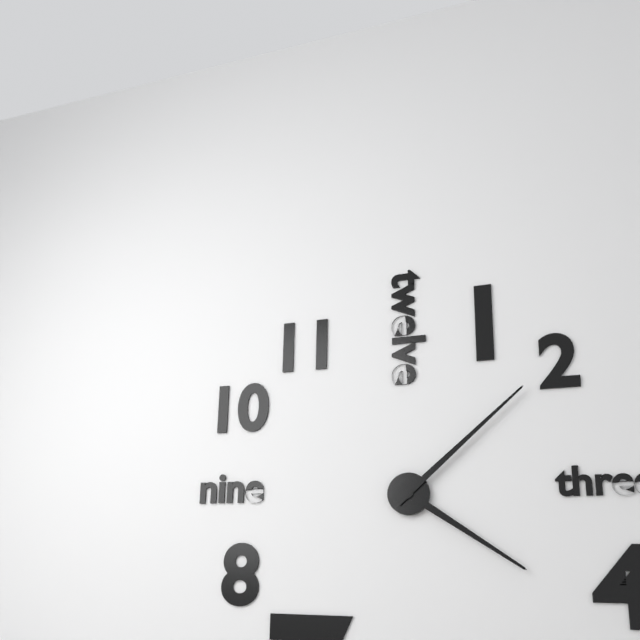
4:08
